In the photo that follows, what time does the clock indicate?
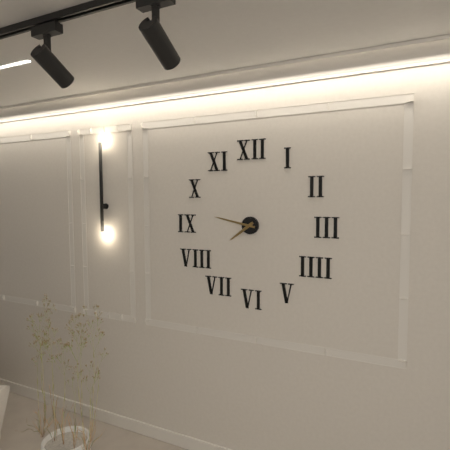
7:47
